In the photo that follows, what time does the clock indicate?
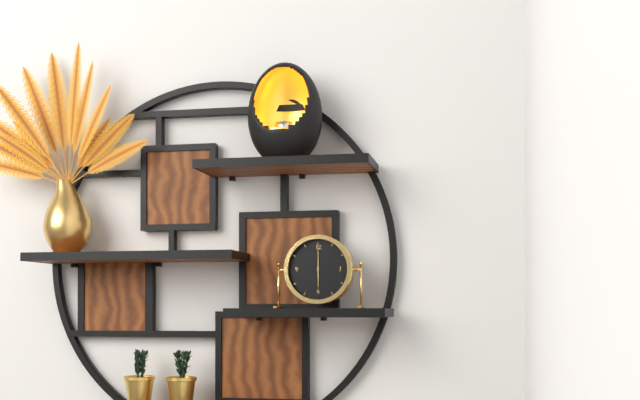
6:00
